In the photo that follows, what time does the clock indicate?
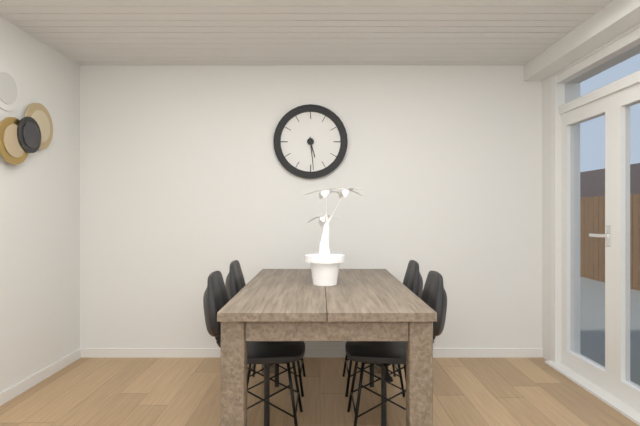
5:29
